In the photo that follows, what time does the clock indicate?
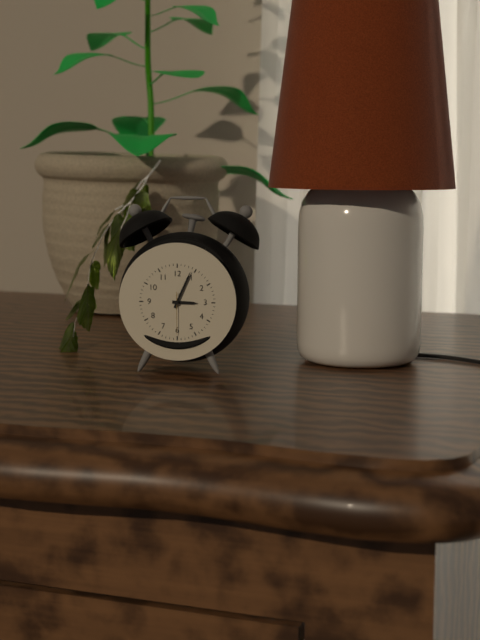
3:04
